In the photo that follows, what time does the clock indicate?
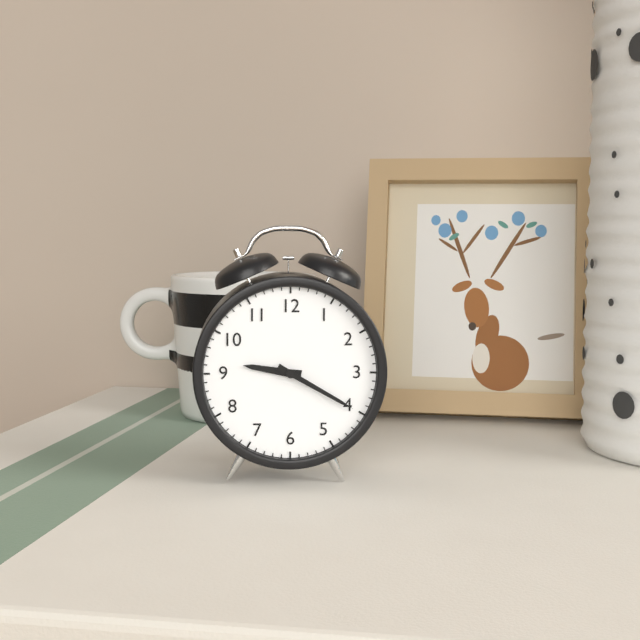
9:20
